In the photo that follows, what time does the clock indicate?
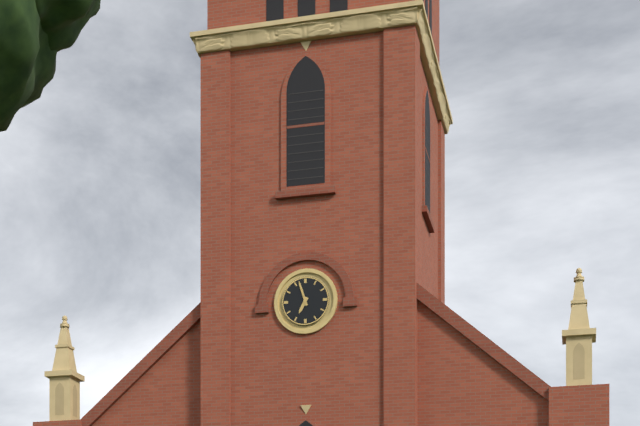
6:57
